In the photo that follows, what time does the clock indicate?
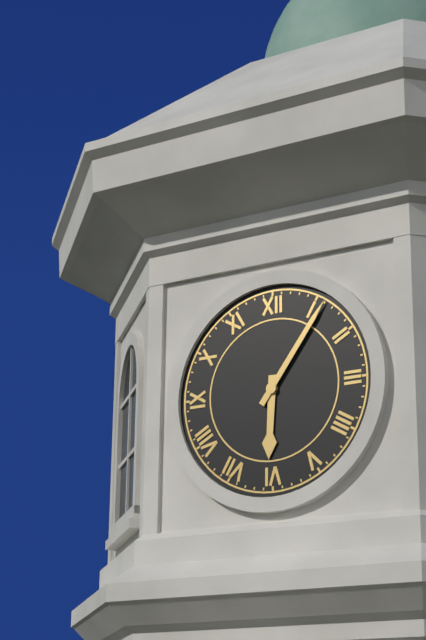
6:06
